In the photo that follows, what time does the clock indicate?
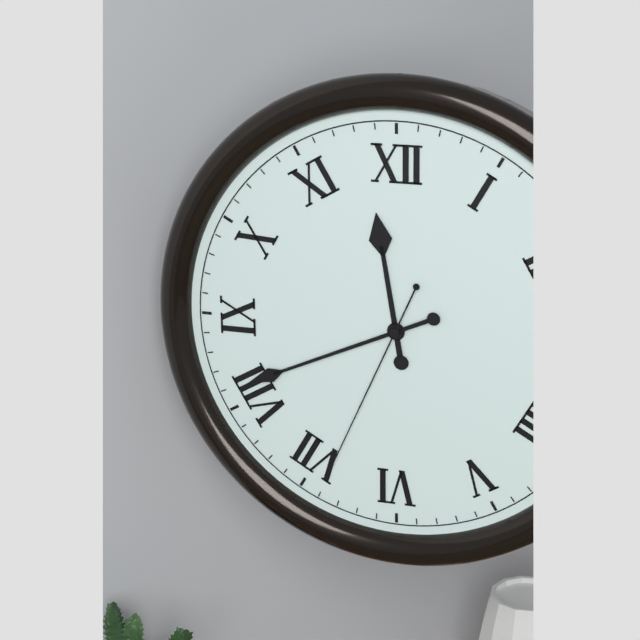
11:41:34
